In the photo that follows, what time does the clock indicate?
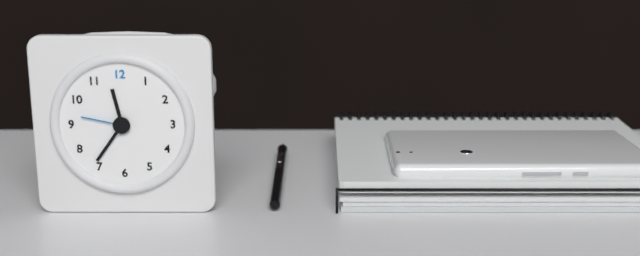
11:36:47
